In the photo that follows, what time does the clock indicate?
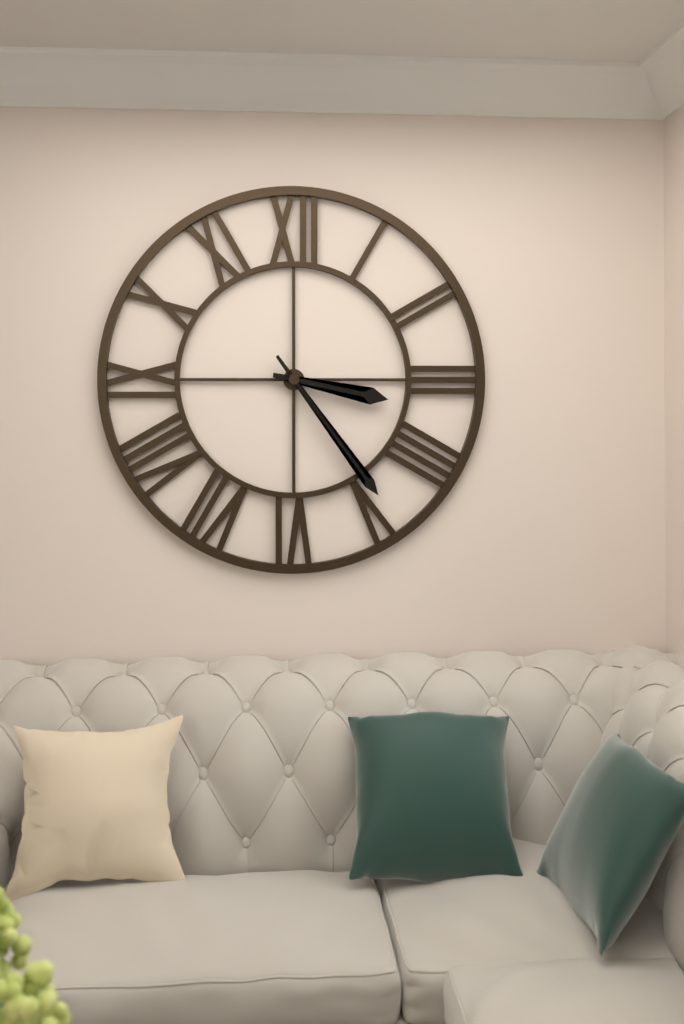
3:24
